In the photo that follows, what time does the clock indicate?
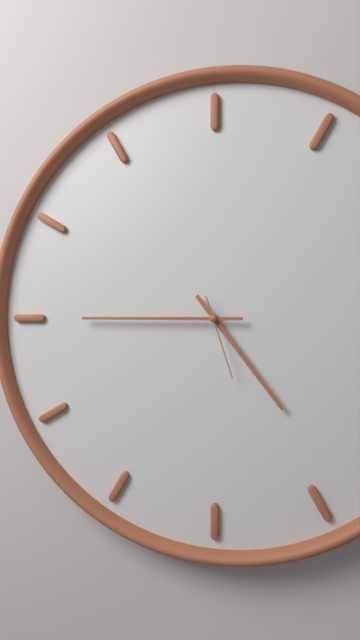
4:45:27
